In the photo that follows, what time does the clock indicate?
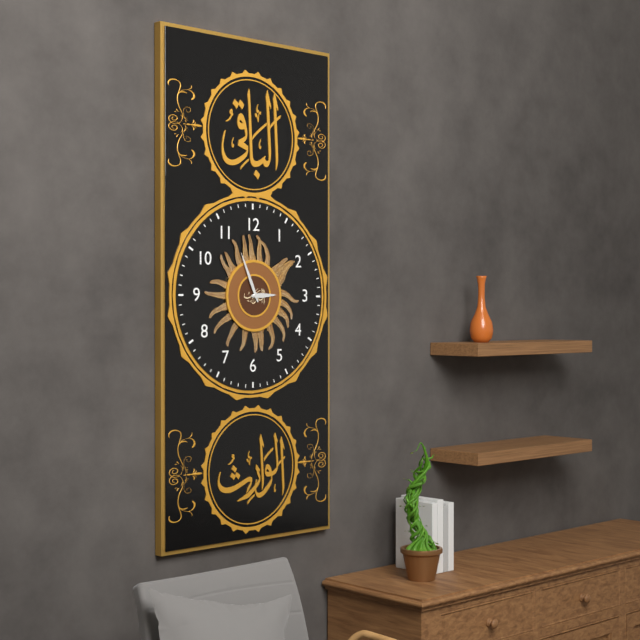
2:56
